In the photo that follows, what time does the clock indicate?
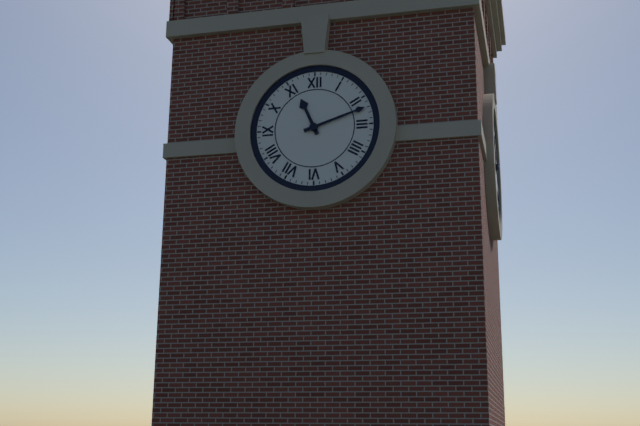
11:12
